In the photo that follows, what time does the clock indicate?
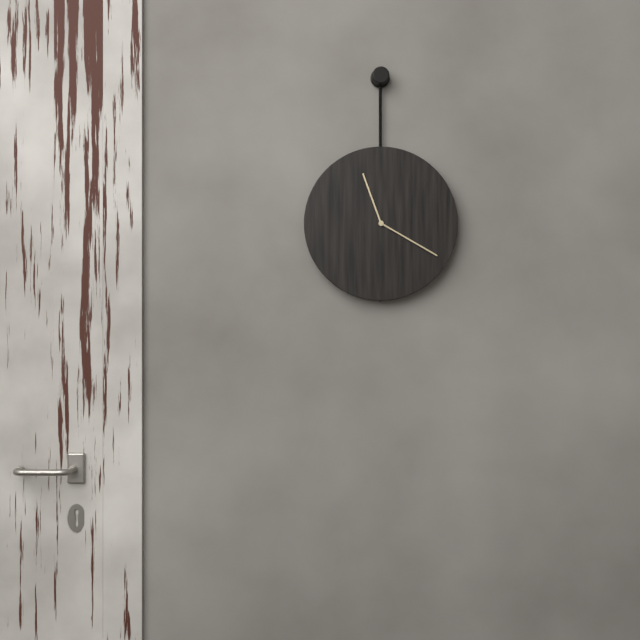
11:20
